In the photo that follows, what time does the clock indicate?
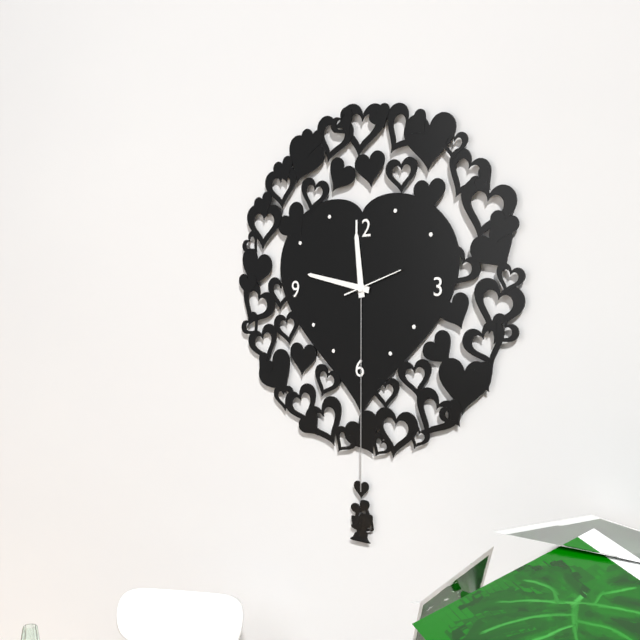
11:47:12
